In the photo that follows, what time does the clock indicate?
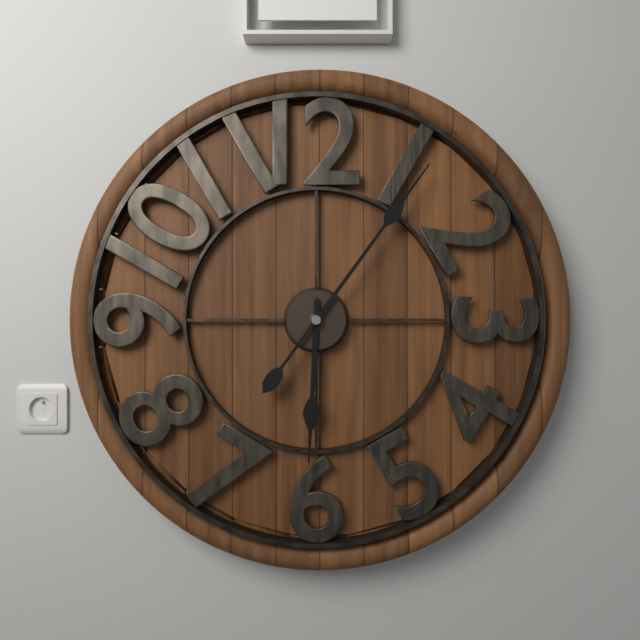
6:06
